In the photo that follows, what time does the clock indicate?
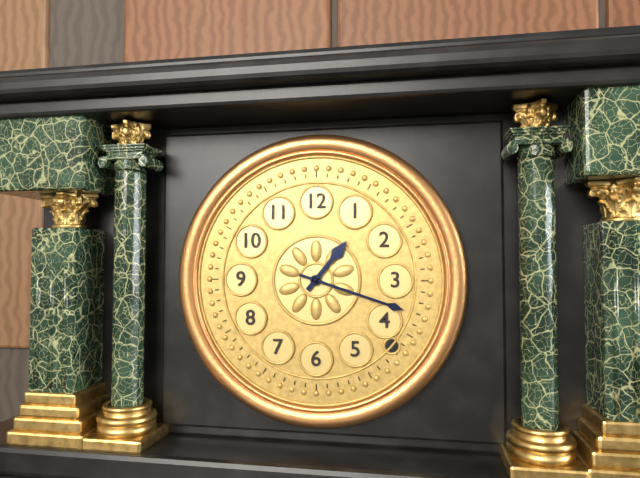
1:18
